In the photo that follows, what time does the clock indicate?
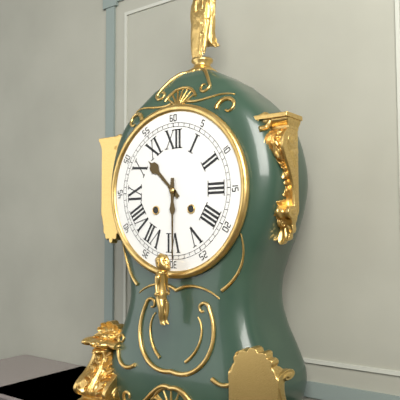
10:30
